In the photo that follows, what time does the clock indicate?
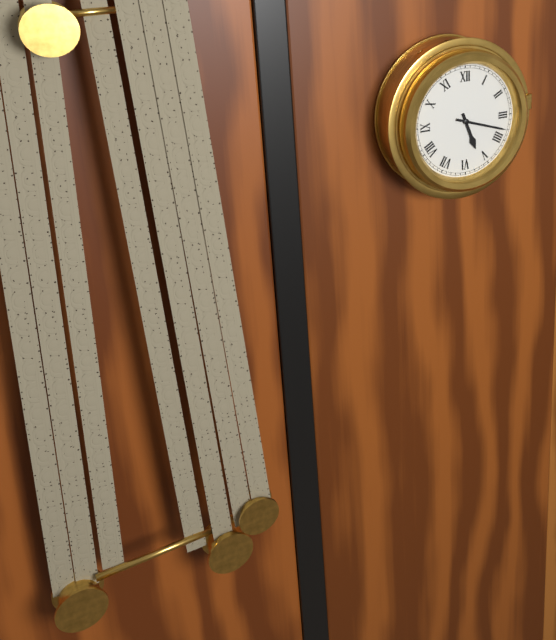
5:18
